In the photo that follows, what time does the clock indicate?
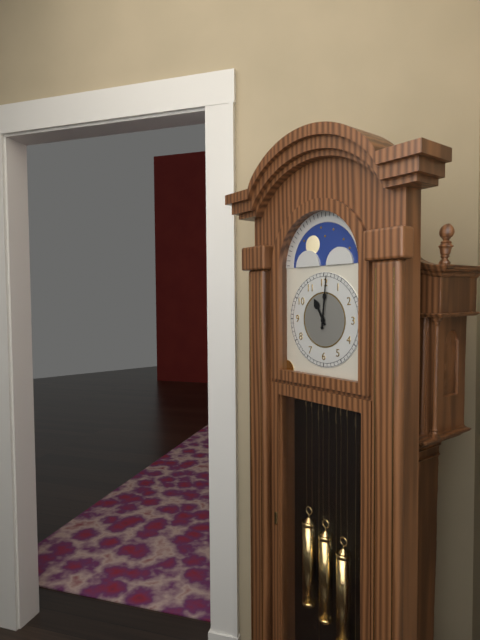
11:01
